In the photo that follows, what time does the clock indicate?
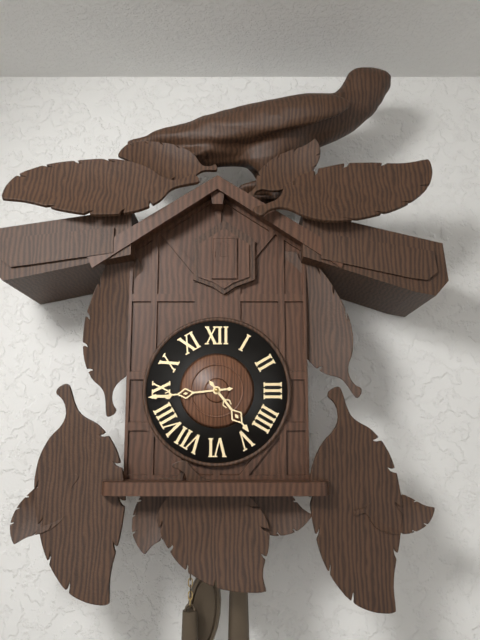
4:44
